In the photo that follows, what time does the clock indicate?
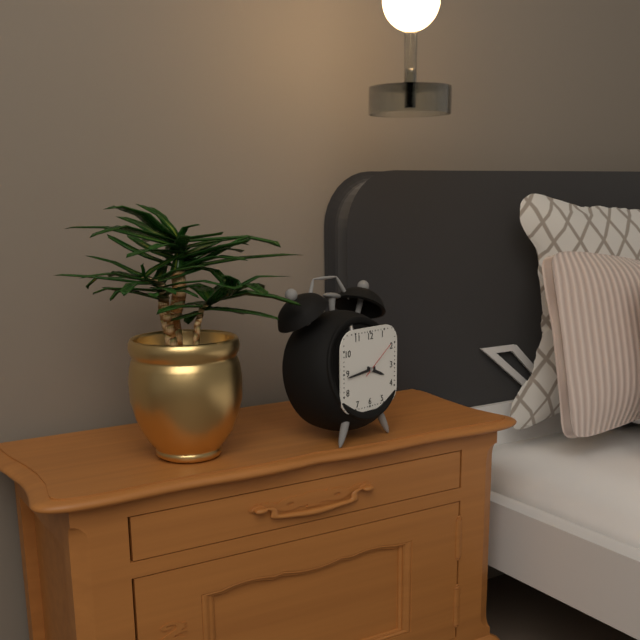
3:44
